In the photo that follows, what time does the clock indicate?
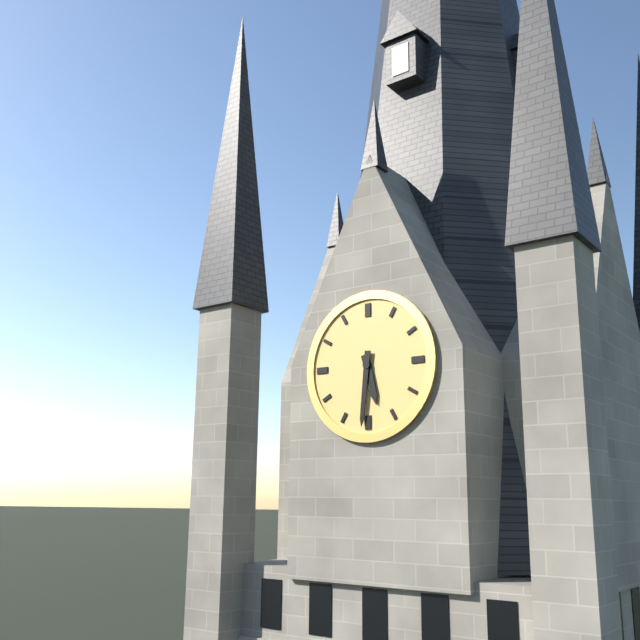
5:31
